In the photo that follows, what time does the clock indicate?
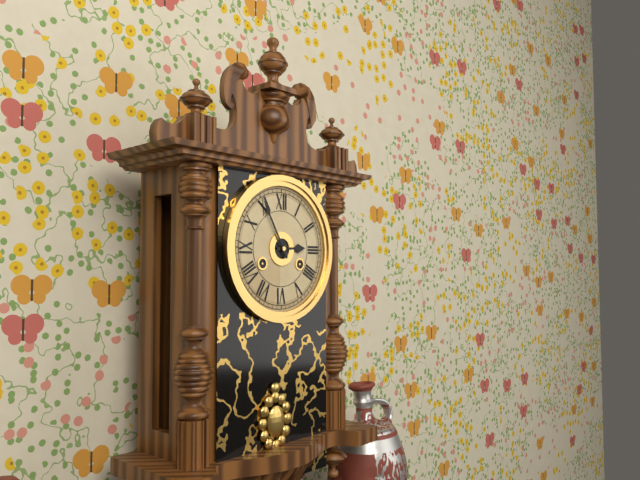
2:55
